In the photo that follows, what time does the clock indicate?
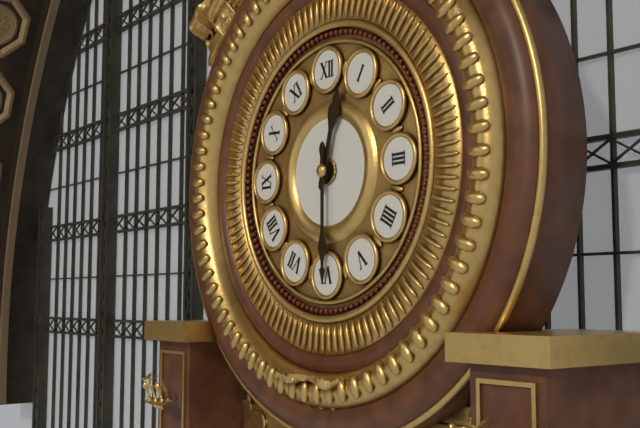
12:30
